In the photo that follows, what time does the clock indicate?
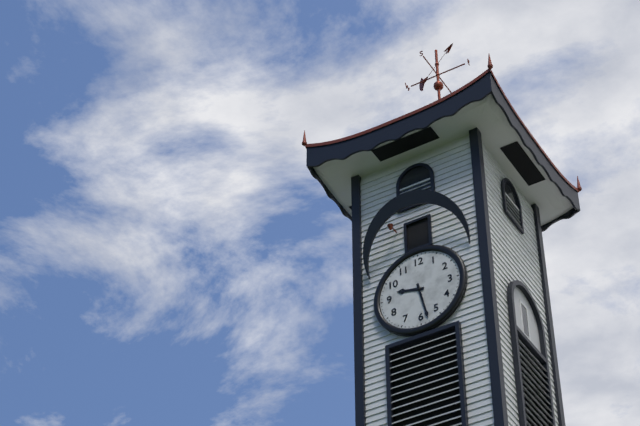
9:28
